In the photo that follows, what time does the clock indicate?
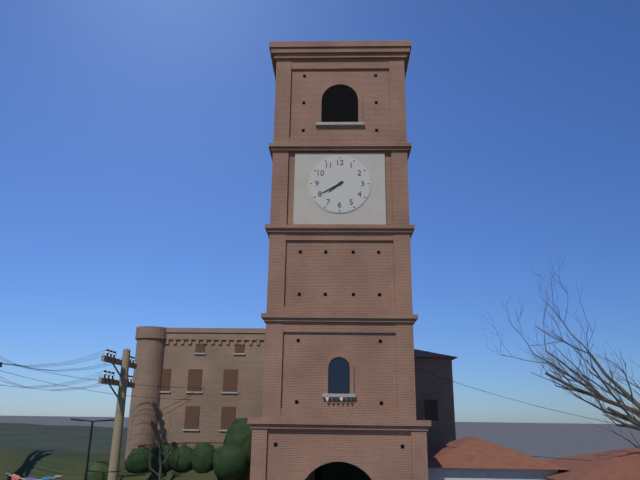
7:40
